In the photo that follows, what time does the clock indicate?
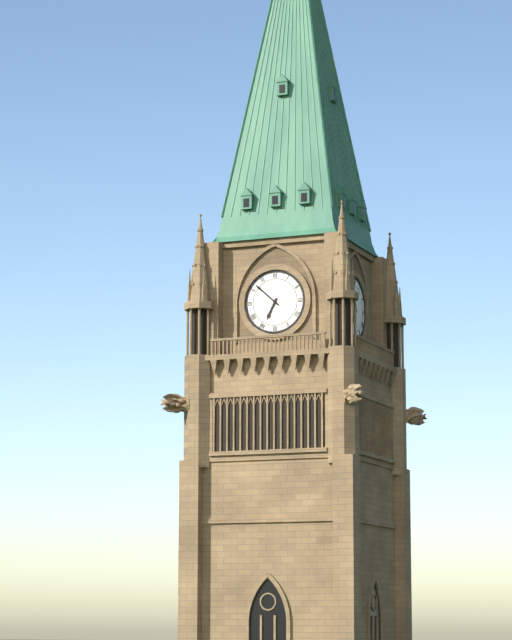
6:52
